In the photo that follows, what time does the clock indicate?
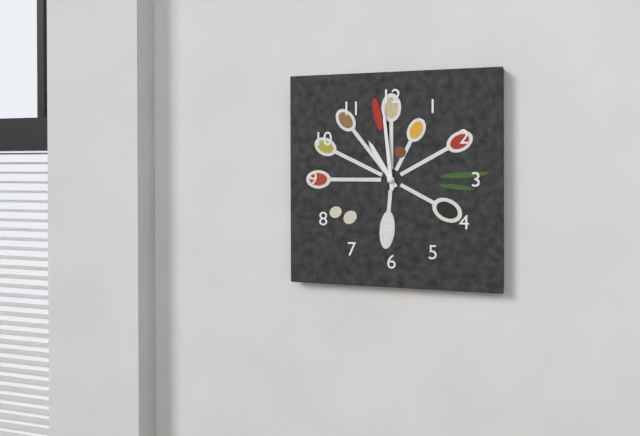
10:59
